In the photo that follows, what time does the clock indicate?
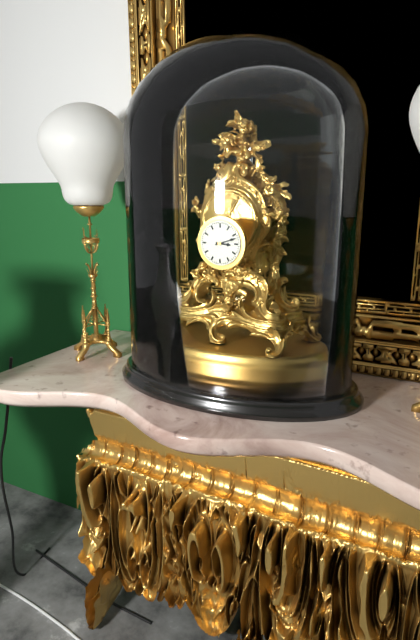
3:12
